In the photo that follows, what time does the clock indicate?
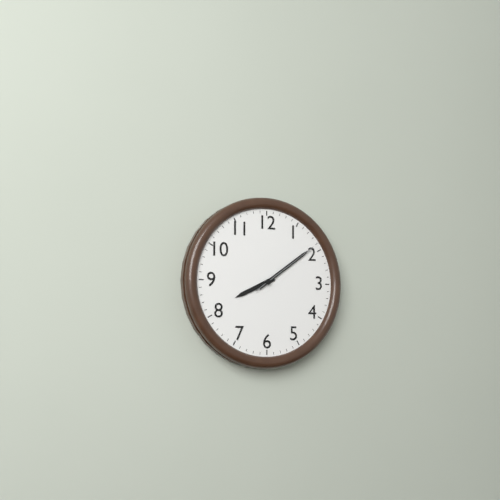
8:09:09
